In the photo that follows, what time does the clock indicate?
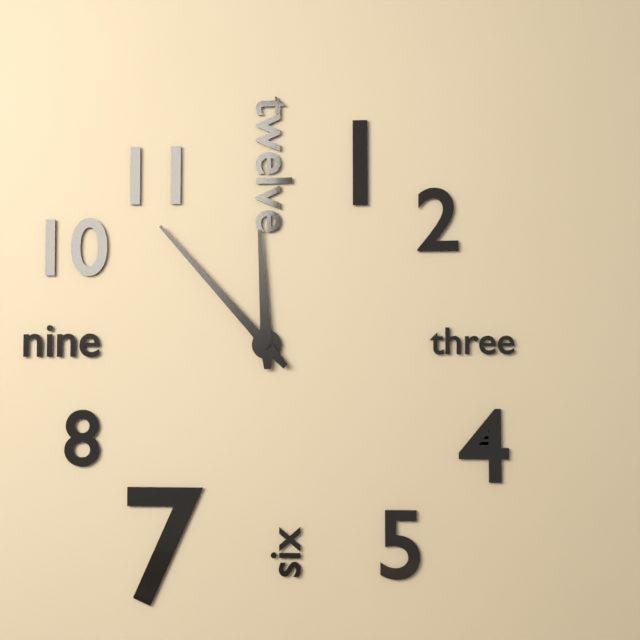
11:53
